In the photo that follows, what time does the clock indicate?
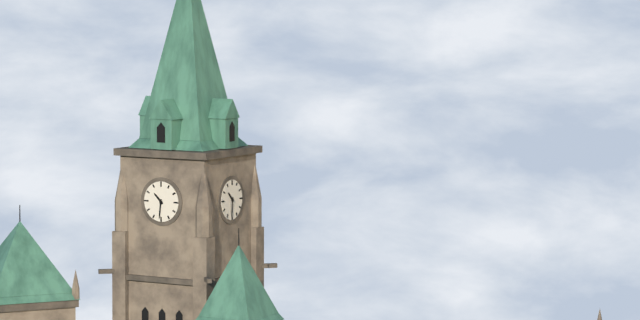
10:31
